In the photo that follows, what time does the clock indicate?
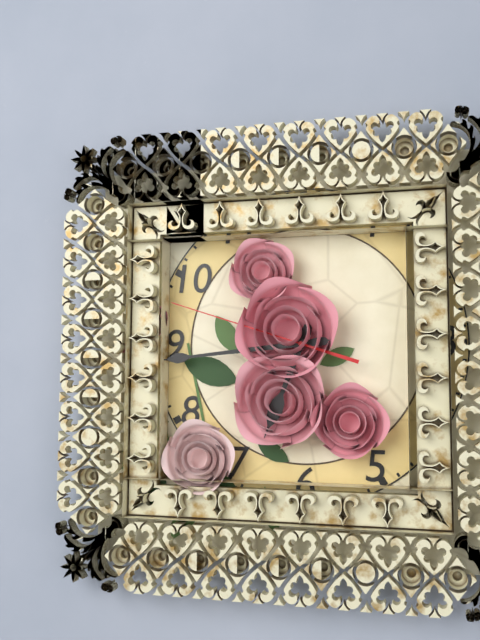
6:44:48
